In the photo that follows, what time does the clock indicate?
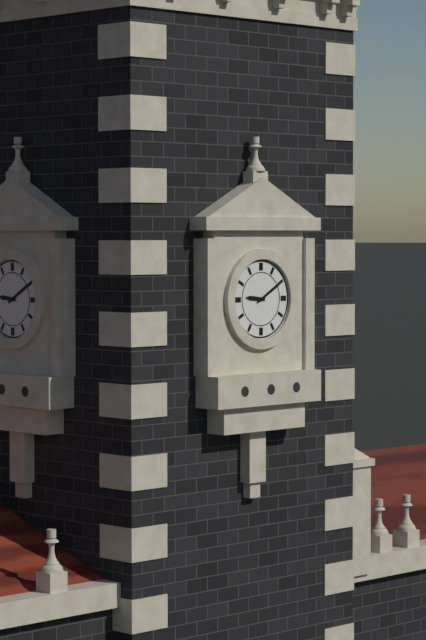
9:10
